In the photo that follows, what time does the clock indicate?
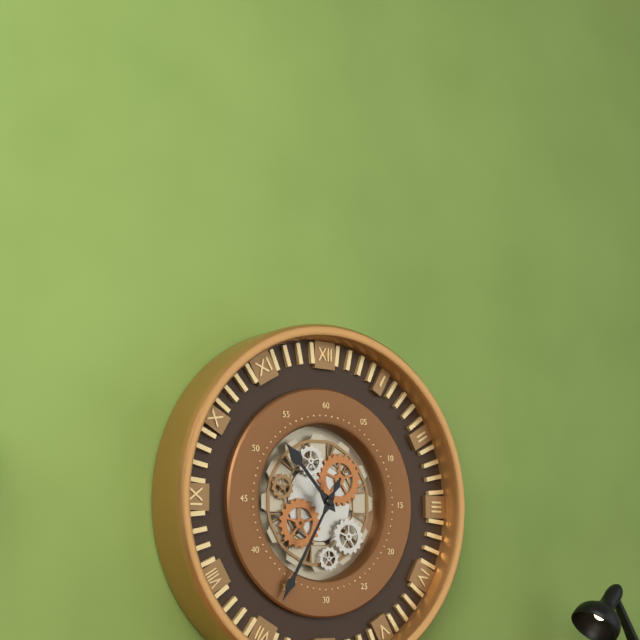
10:35
